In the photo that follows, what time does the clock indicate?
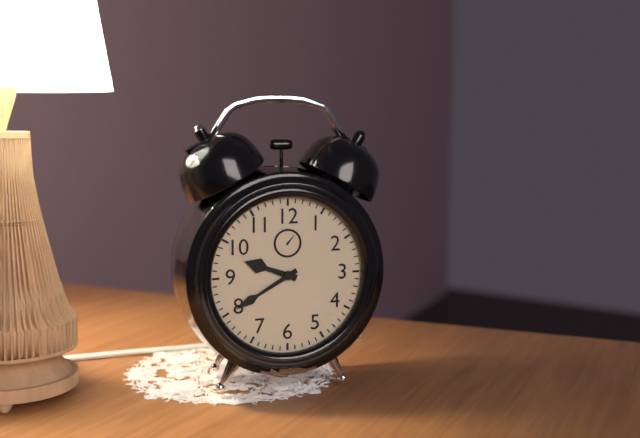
9:40
